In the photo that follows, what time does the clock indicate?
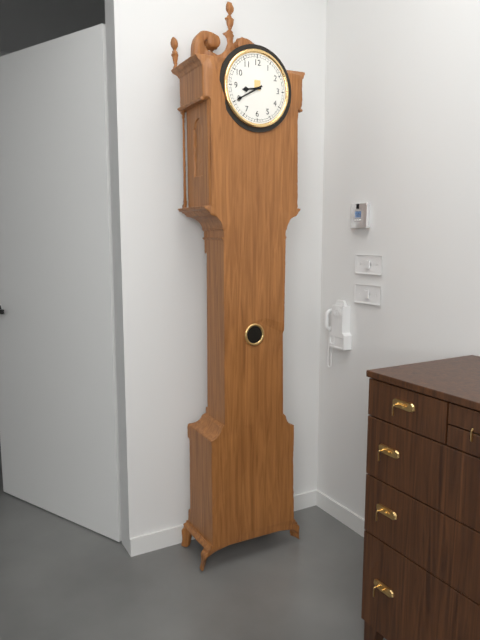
8:40
